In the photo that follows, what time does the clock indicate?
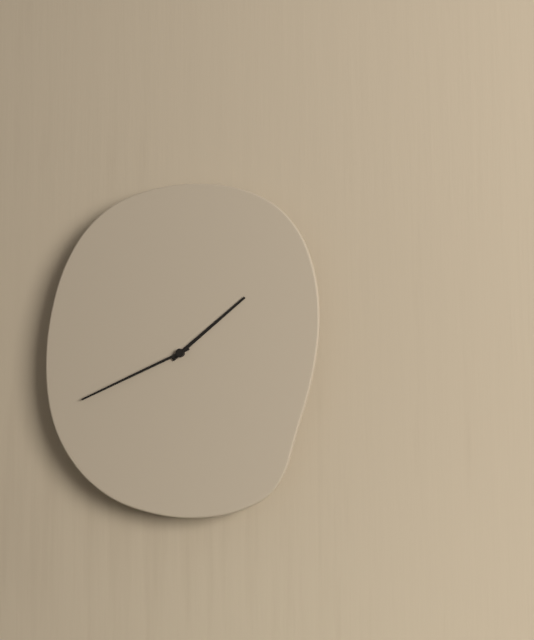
1:41
